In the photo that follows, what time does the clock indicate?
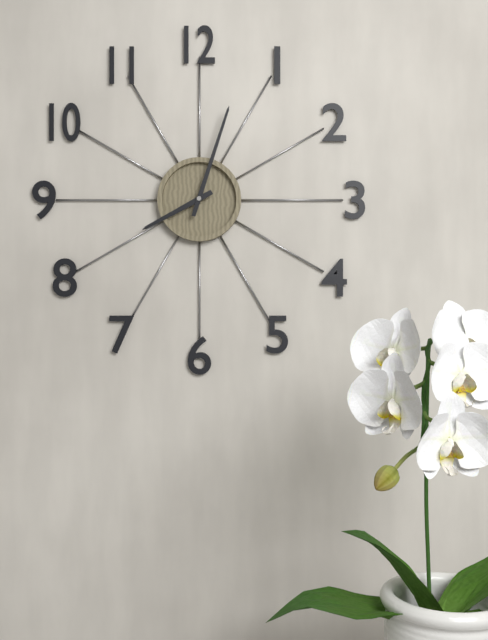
8:03
